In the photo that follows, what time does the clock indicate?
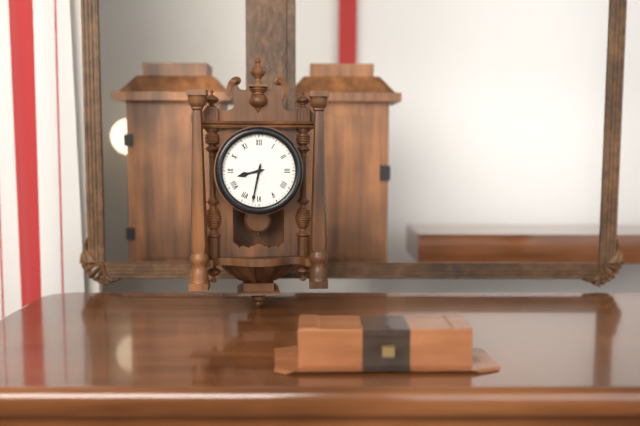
8:32
